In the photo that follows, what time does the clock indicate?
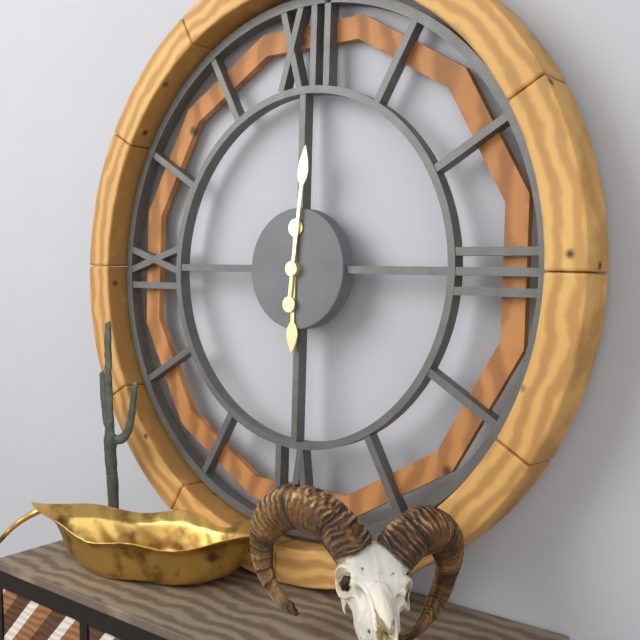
6:01
